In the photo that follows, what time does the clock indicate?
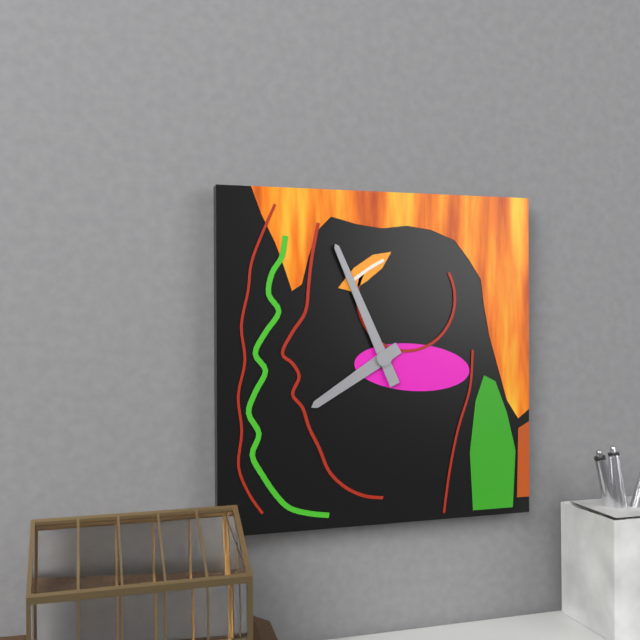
7:56
